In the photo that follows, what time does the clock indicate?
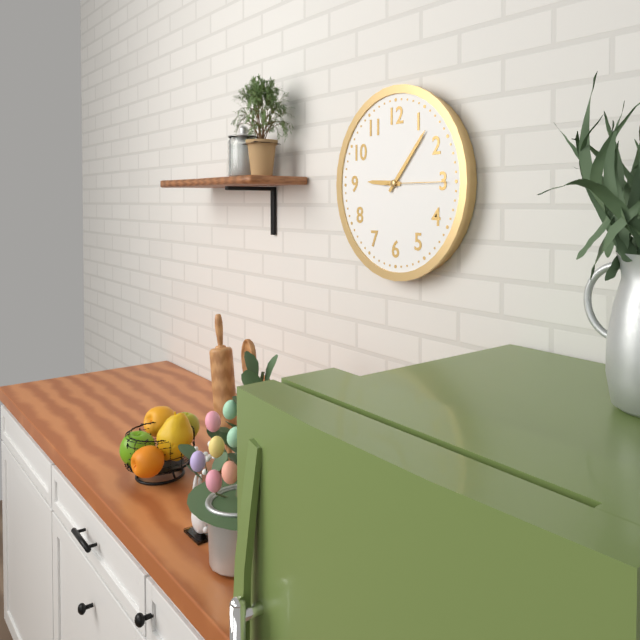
9:07:15
